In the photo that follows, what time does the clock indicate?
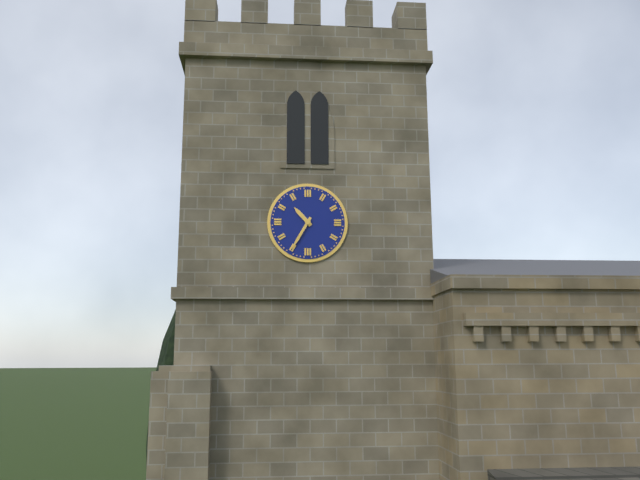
10:35
